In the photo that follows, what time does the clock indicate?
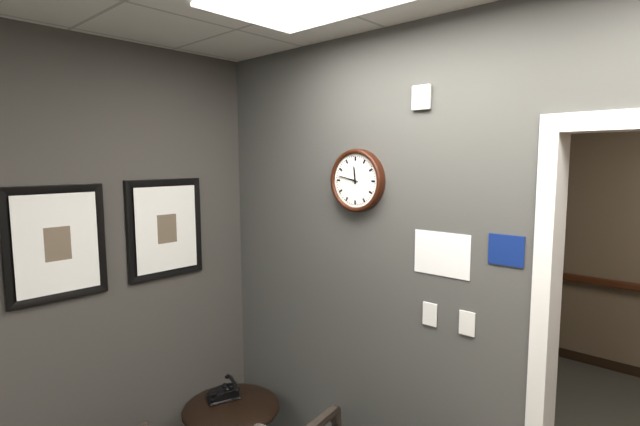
11:47
